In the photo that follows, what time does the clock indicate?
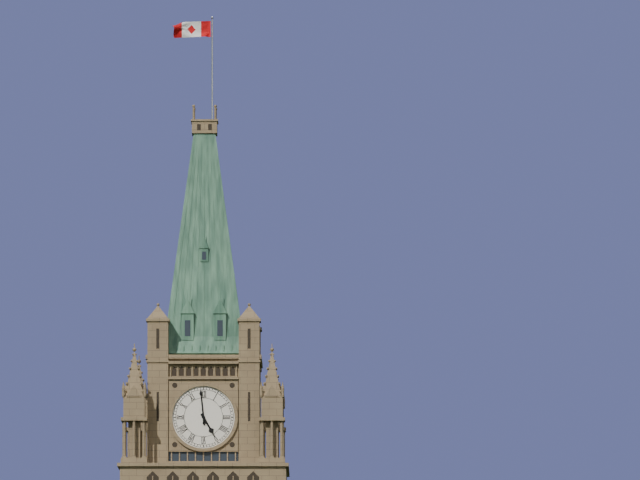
4:59
